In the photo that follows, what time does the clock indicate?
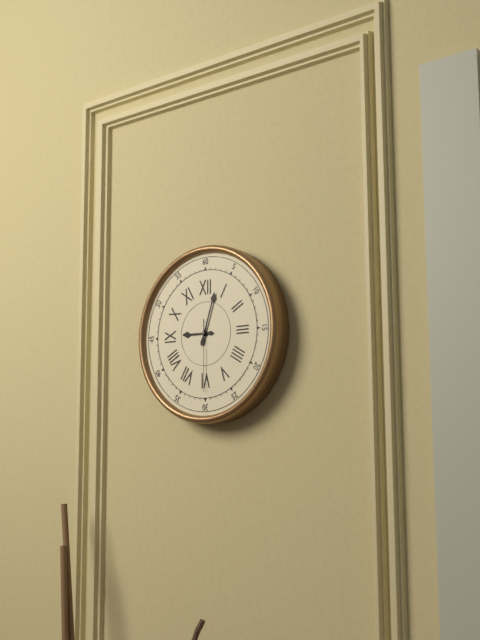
9:03:30
